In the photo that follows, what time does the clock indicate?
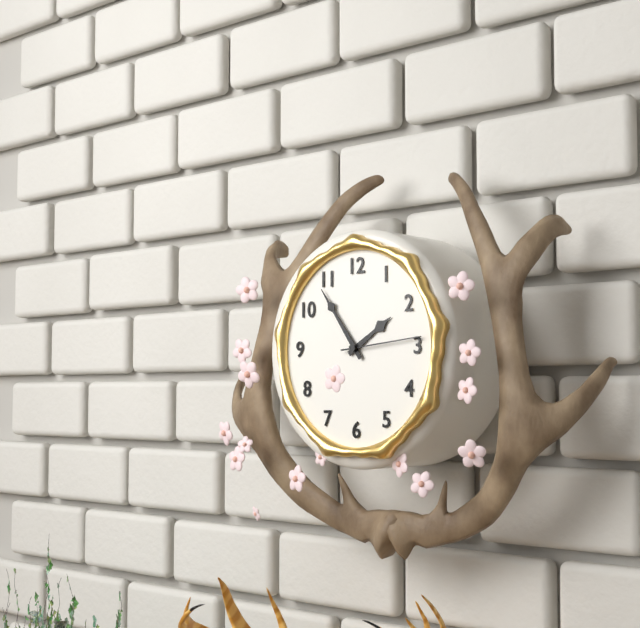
1:54:14
